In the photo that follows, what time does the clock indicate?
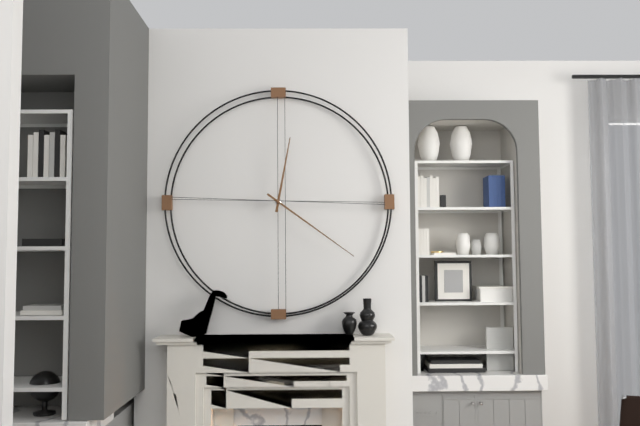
12:21
